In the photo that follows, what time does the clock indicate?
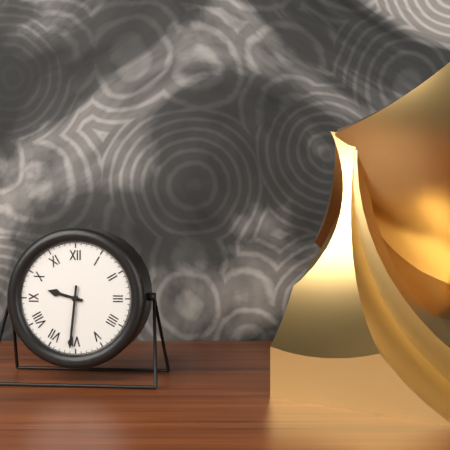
9:31
